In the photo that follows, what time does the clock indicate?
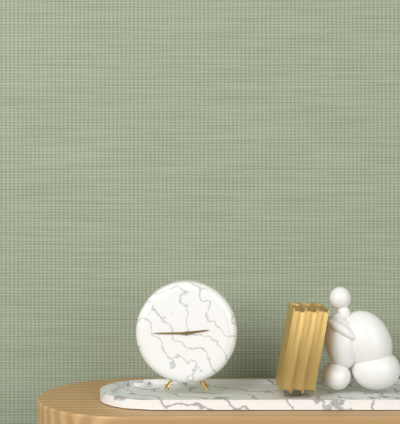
2:45
